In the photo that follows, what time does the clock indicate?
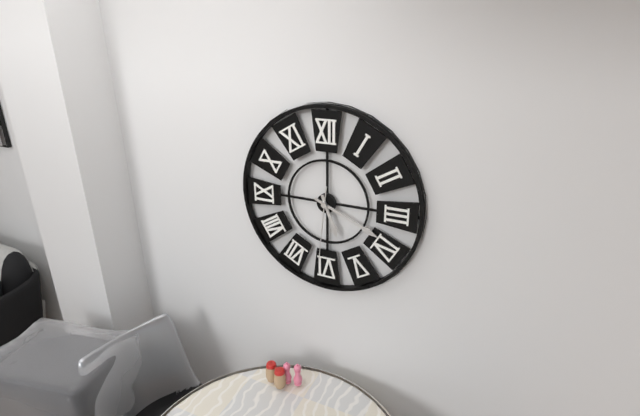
5:19:31
